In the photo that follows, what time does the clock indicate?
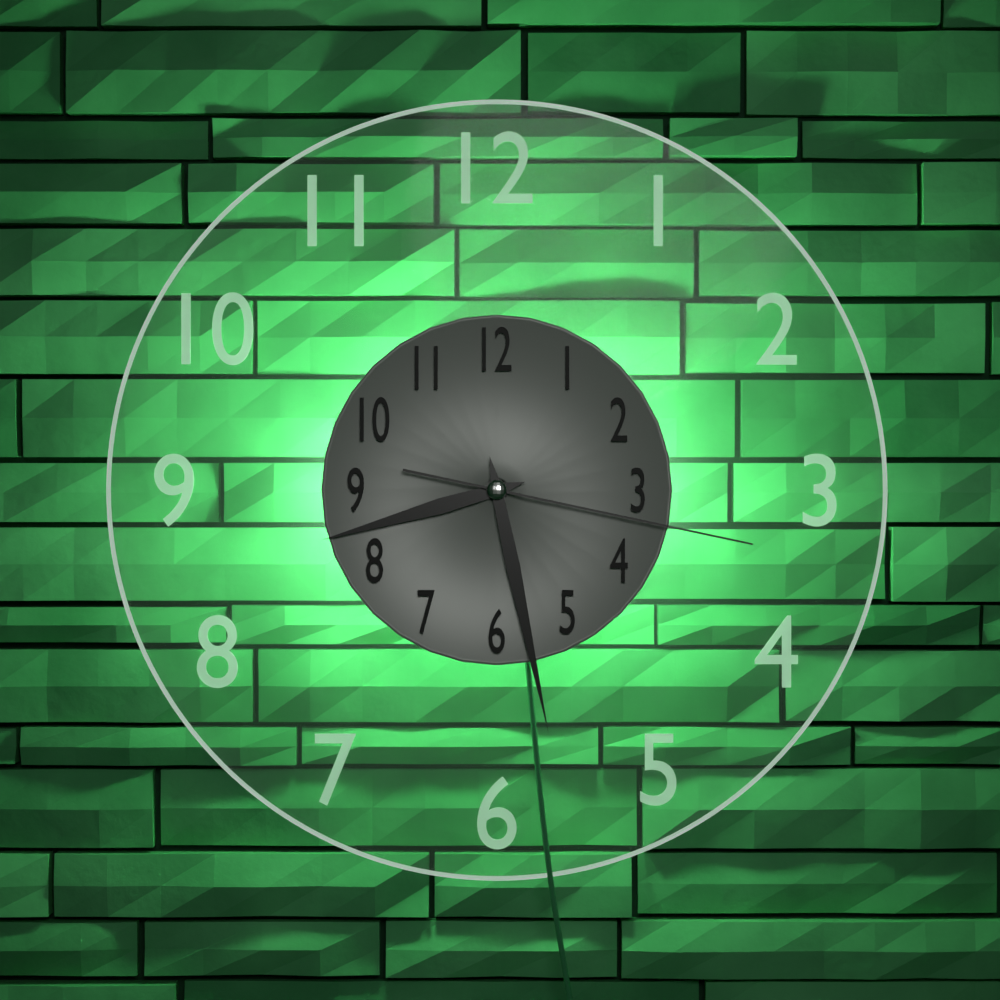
8:28:17
